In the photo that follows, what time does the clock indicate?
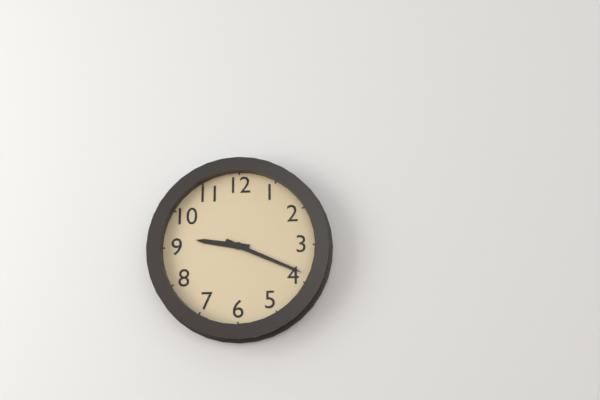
9:19
